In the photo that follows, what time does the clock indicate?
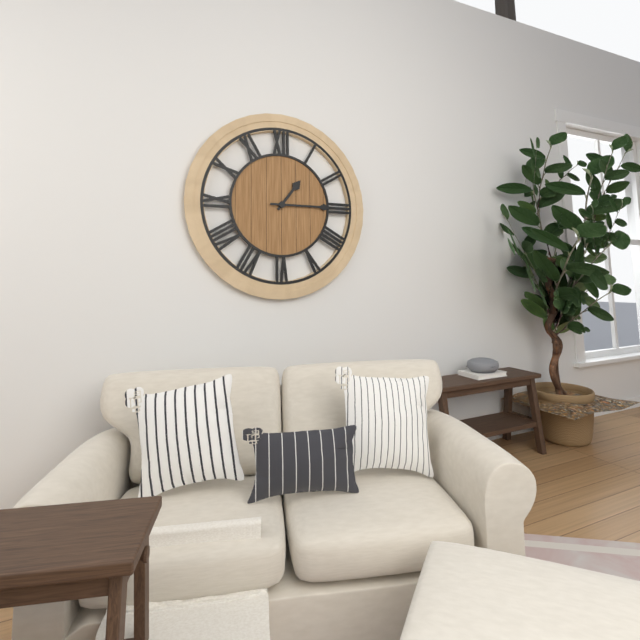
1:15
